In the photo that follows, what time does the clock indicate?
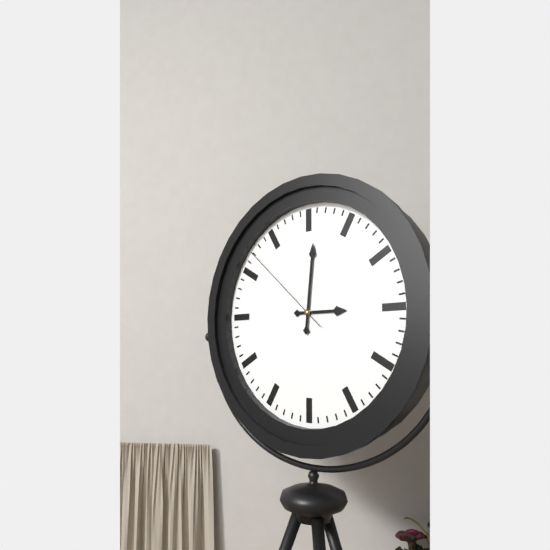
3:01:52
